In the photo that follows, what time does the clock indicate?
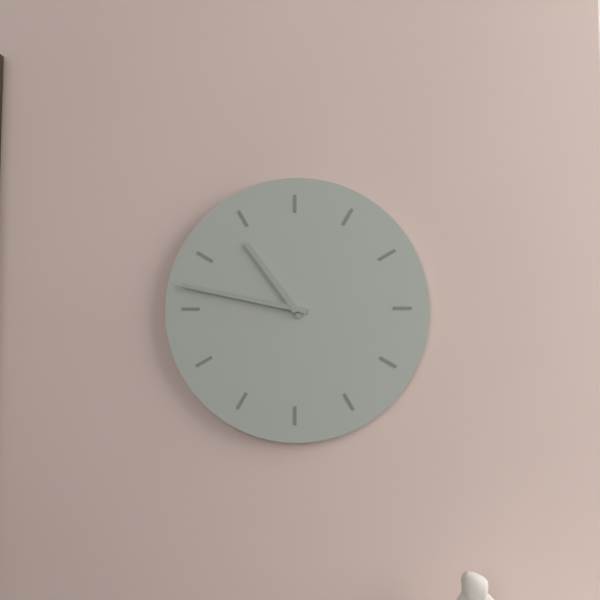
10:47
